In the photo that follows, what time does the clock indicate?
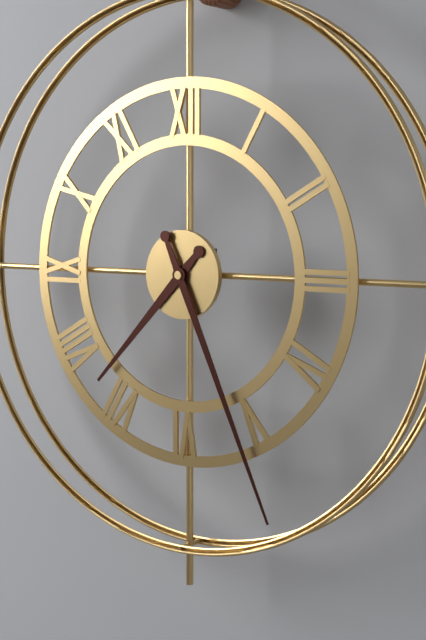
7:26
